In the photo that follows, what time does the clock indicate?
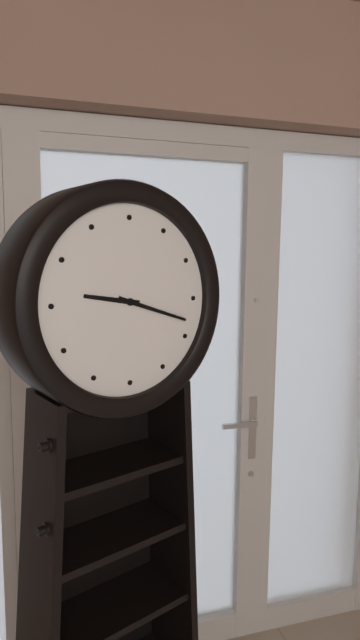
9:18
